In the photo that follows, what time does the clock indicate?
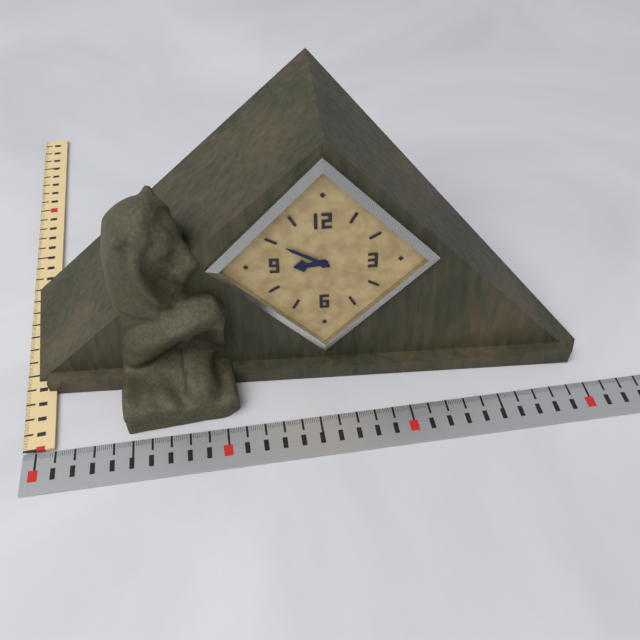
8:50
